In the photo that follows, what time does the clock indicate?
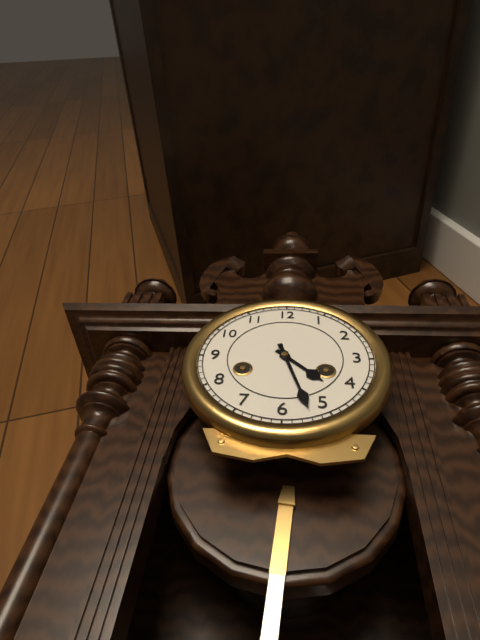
4:27
